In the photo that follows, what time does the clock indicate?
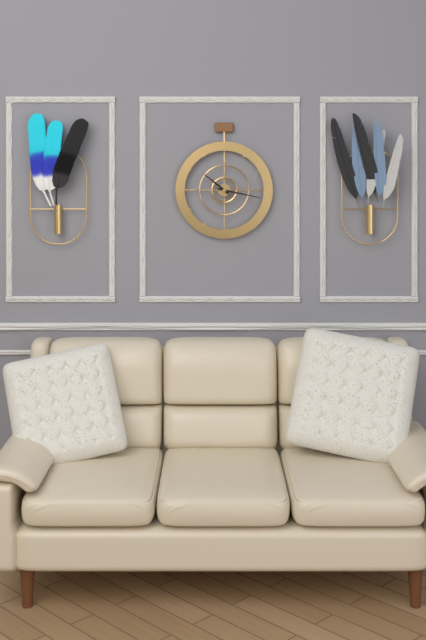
10:17
